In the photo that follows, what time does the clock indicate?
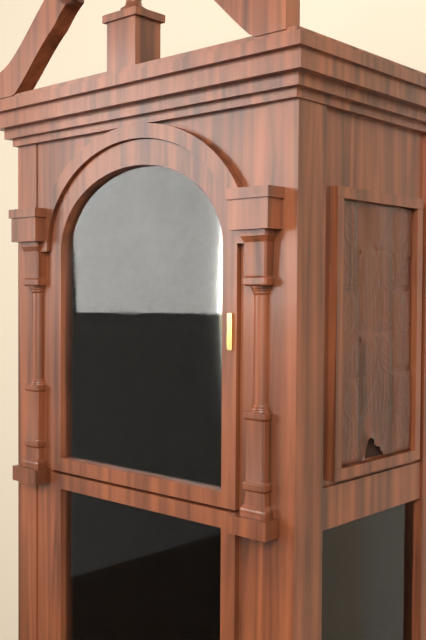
8:55
